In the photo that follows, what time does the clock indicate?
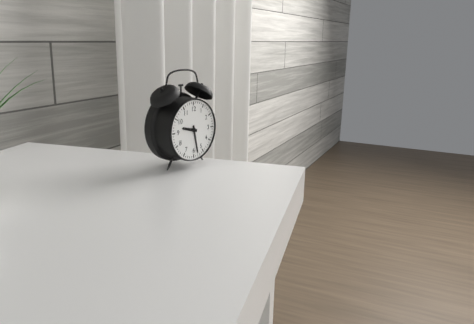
9:28
